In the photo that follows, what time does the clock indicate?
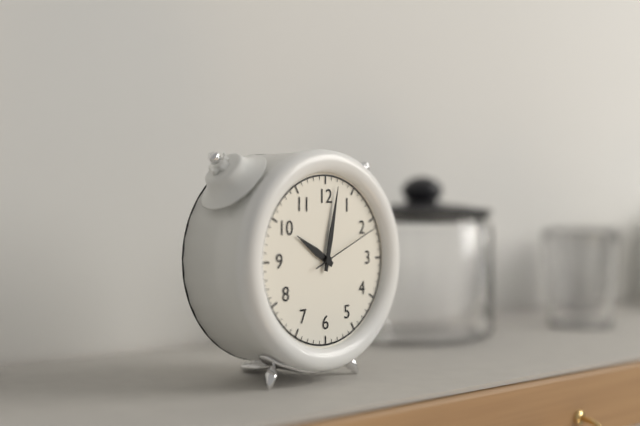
10:02:11
